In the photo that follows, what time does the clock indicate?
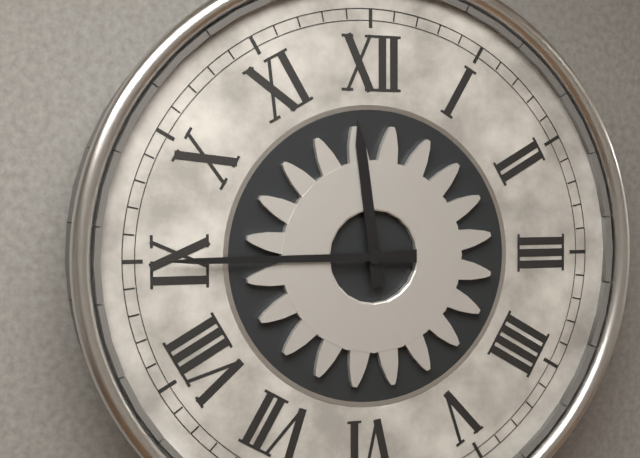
11:45
